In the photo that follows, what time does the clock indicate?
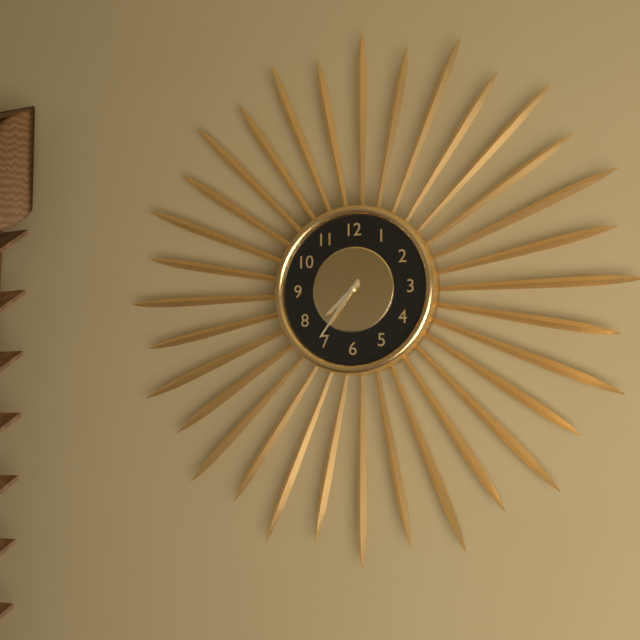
7:36
